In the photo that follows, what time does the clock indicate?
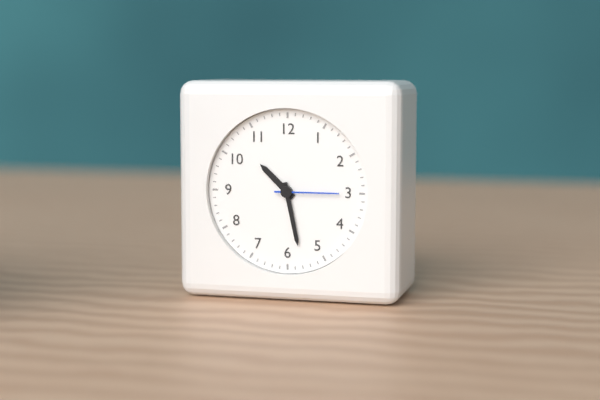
10:28:15
